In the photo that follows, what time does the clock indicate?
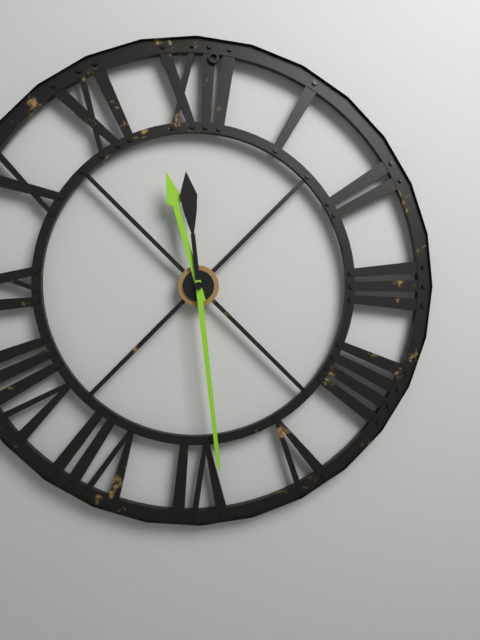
11:29
